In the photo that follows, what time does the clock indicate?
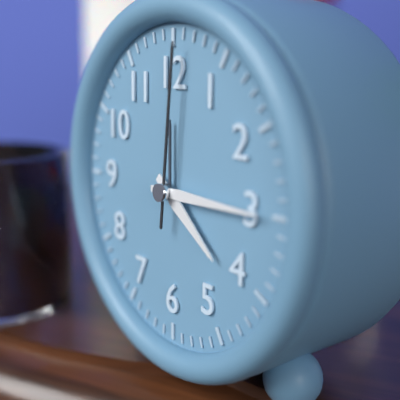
4:15:01
